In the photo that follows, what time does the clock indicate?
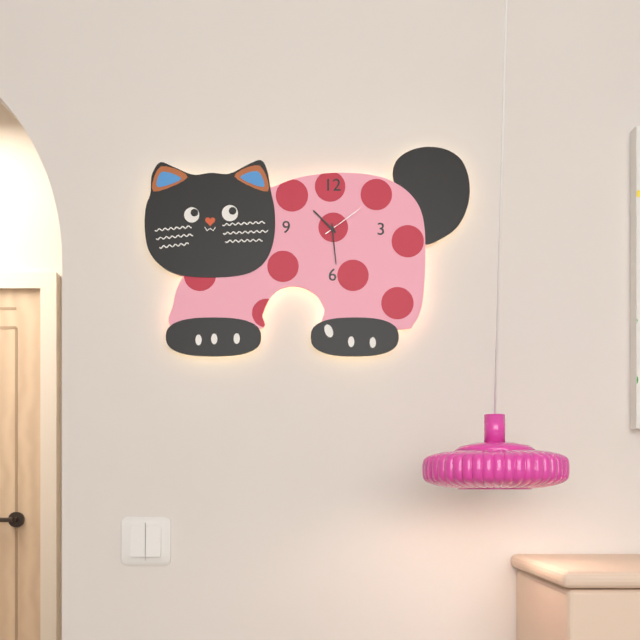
10:29
